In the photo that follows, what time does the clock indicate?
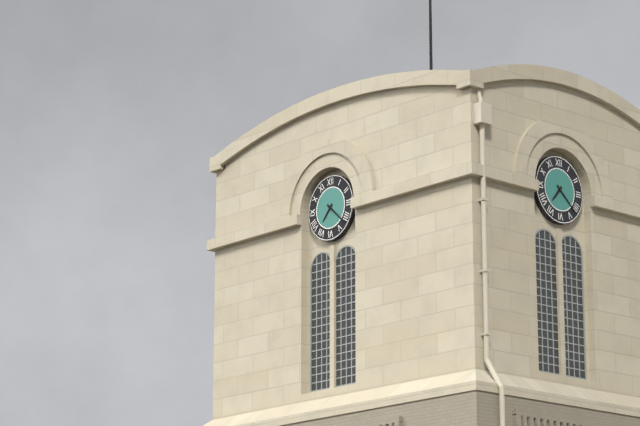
7:22
